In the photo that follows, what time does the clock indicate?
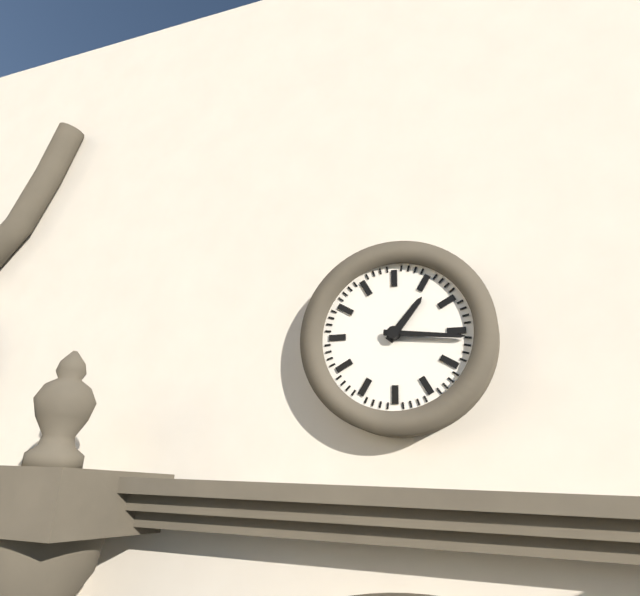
1:16
